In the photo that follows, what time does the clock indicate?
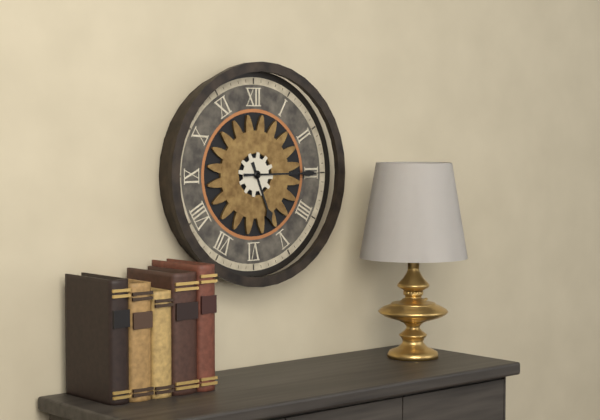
5:15
